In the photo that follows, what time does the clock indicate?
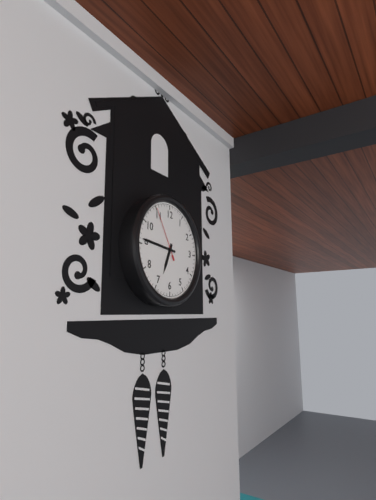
6:46:55
